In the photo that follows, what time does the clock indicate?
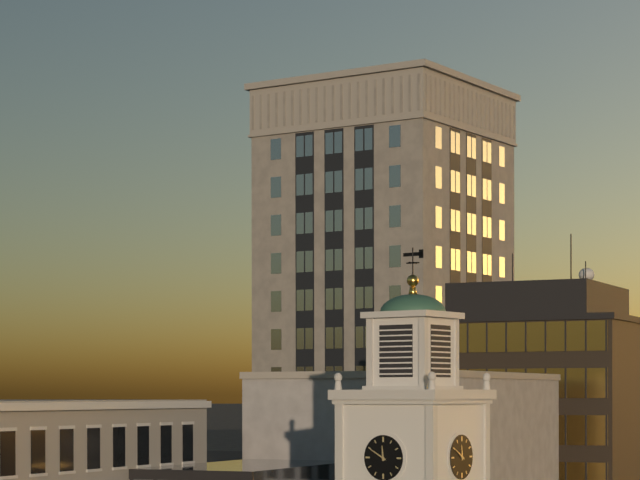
11:50
